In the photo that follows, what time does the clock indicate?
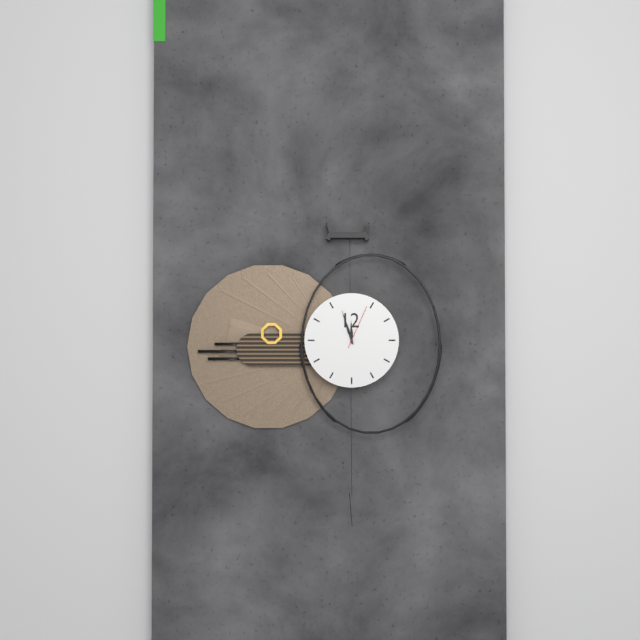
11:57
